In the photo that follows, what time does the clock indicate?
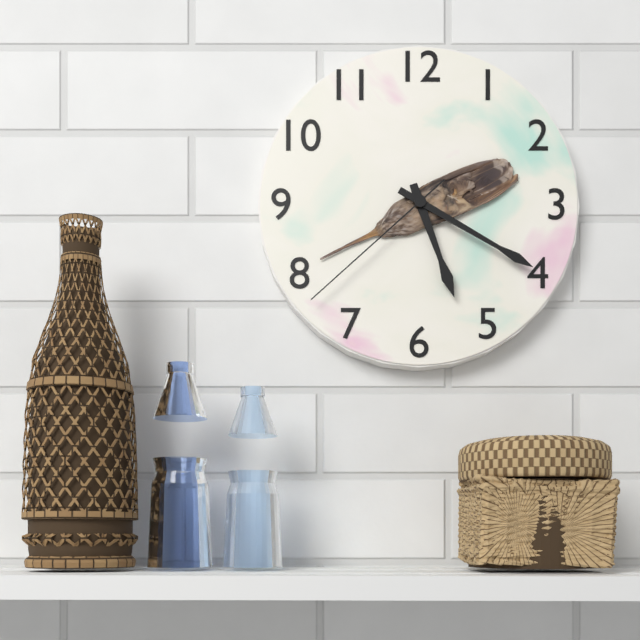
5:20:38
